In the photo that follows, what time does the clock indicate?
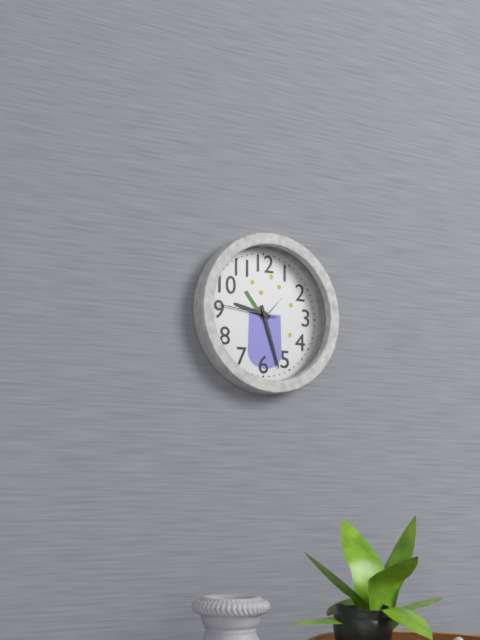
9:27:46
